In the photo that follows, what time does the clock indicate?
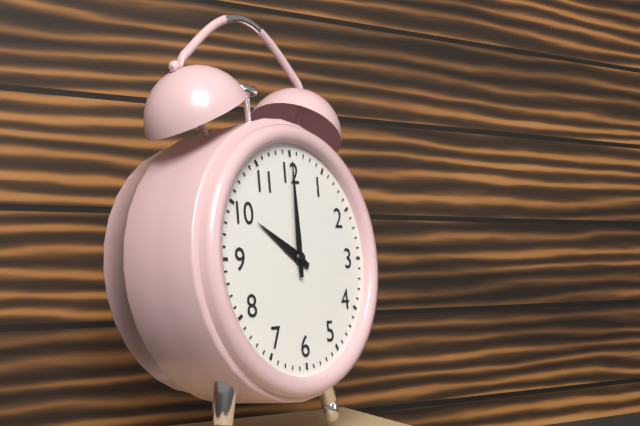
10:00
